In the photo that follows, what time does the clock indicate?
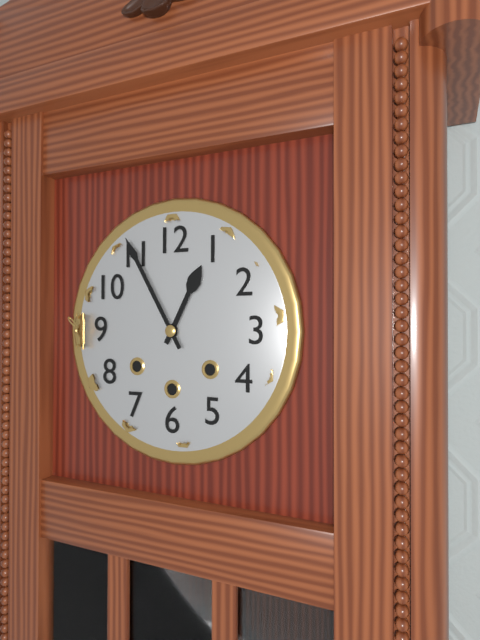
12:55
